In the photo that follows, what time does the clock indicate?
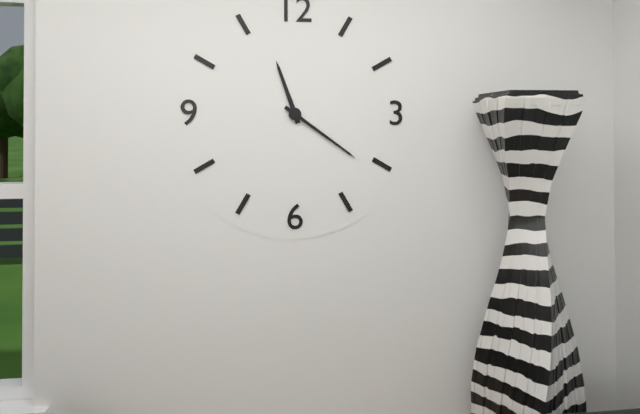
11:21
